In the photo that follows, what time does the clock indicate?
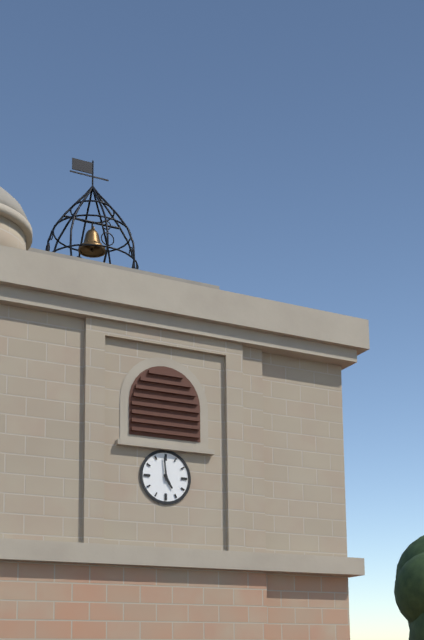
4:59
